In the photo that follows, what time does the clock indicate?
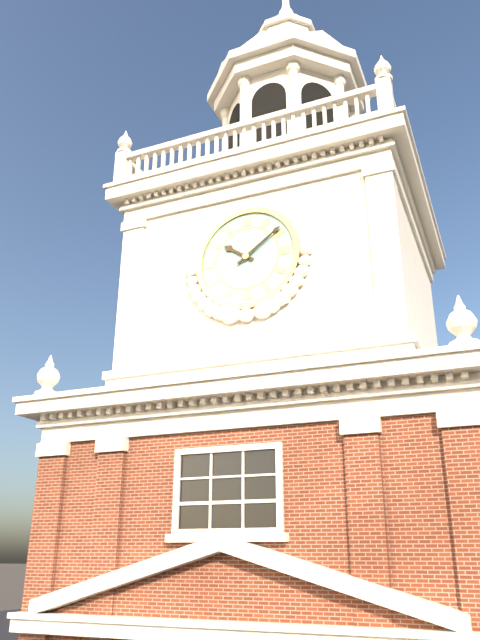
10:09
